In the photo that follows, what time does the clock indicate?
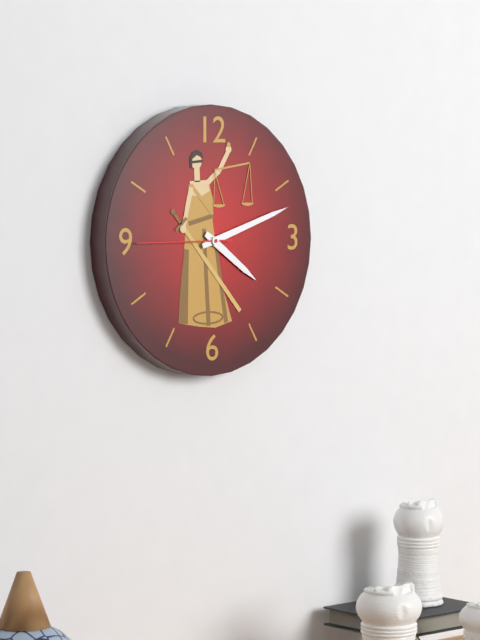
4:12:45
